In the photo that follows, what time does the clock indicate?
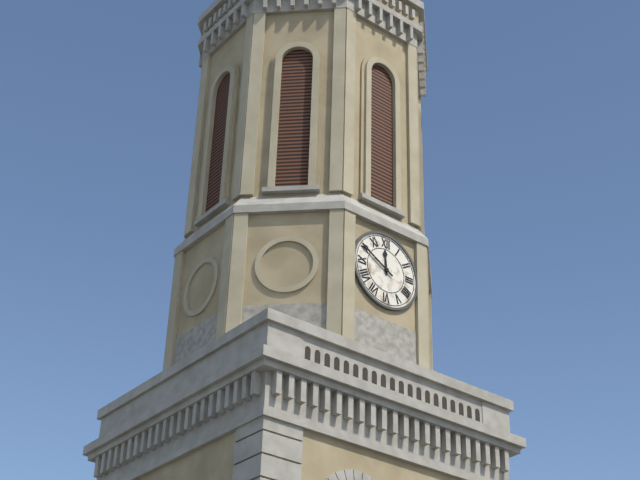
11:50
